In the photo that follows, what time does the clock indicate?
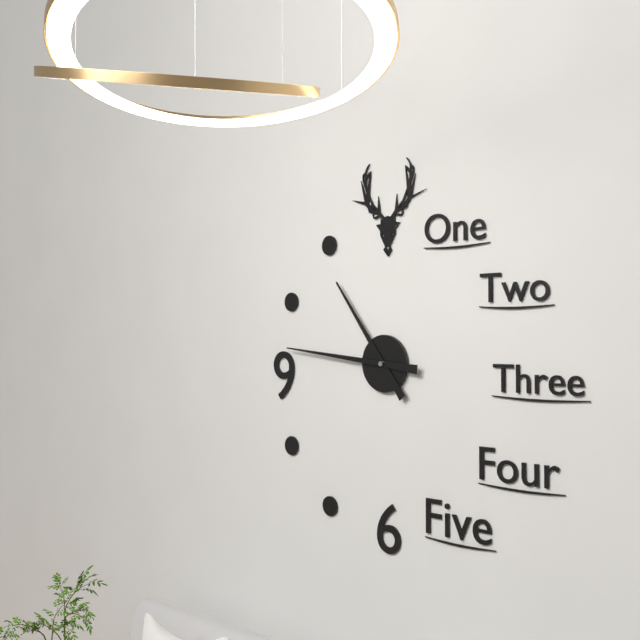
10:46
